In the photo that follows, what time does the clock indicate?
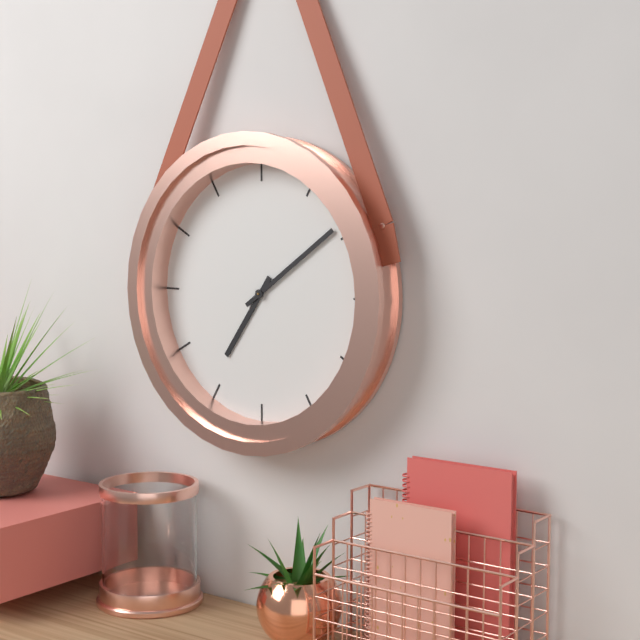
7:09
